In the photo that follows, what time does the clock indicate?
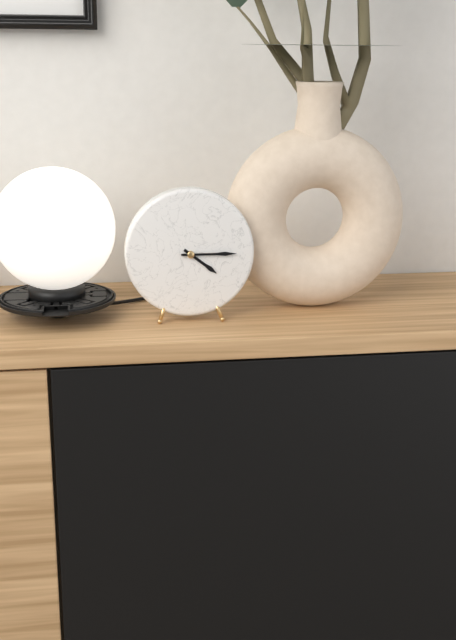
4:15
